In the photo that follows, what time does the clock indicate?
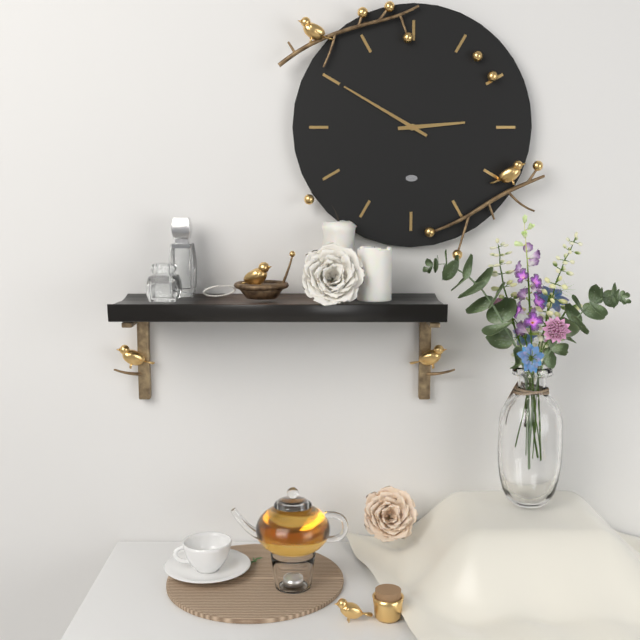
2:50
